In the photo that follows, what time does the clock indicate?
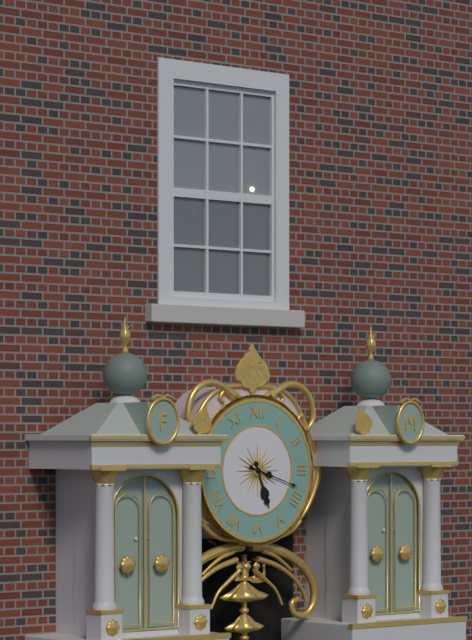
5:18
